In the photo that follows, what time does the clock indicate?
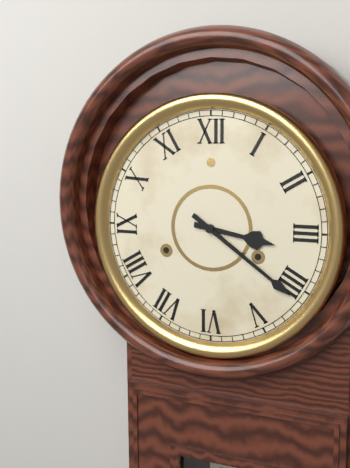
3:21
